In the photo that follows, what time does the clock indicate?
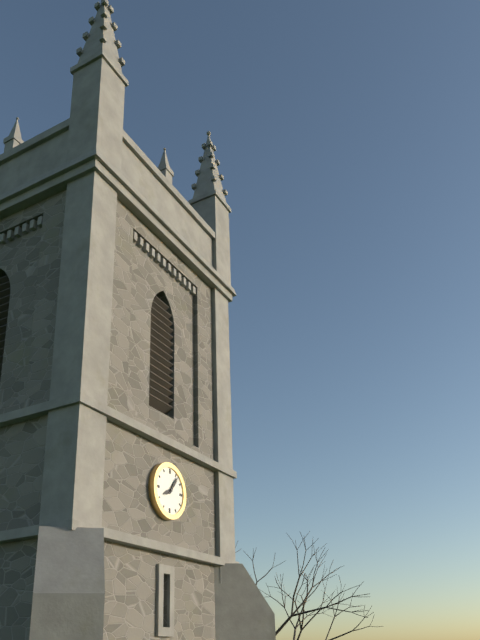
8:06
